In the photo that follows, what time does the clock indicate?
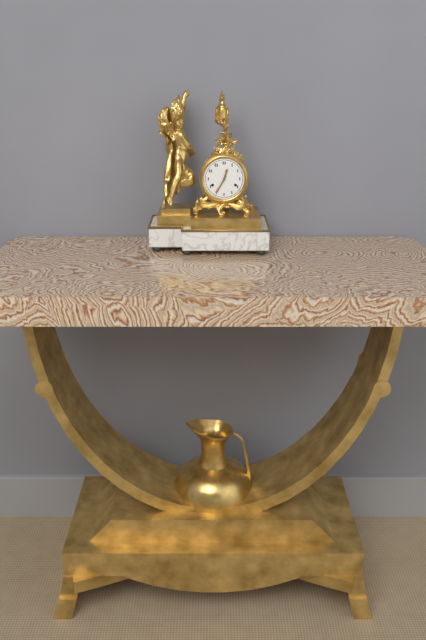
12:35
